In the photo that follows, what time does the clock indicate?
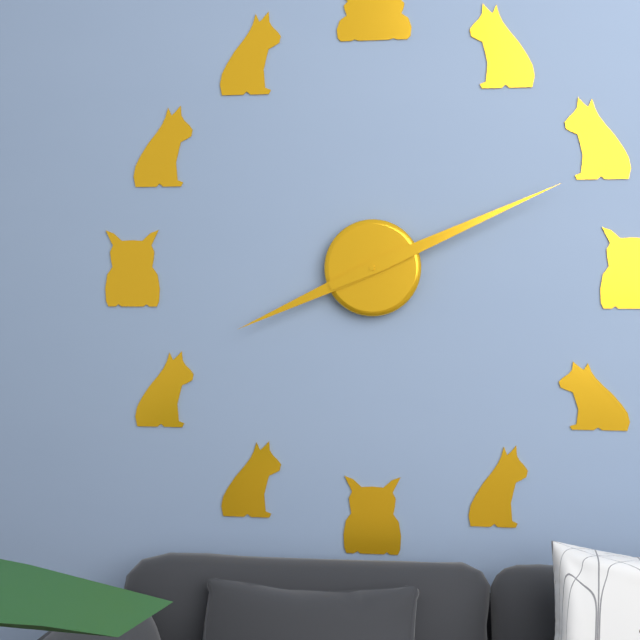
8:11
